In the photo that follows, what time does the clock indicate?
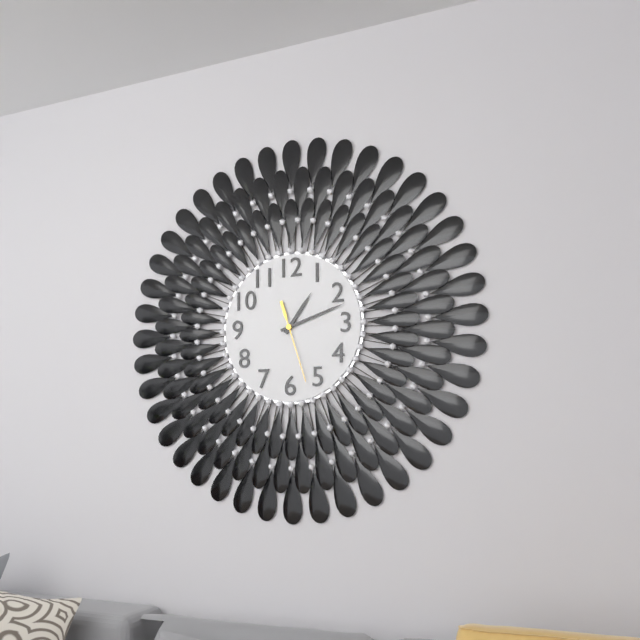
1:12:27
